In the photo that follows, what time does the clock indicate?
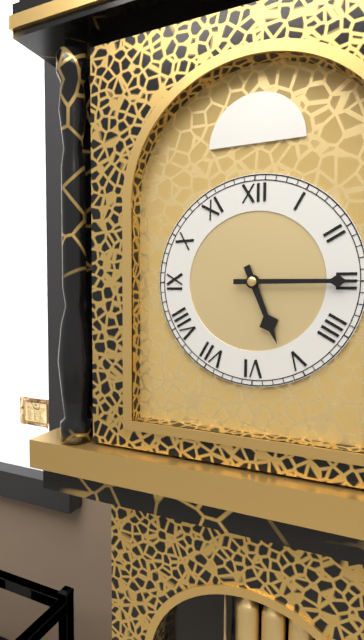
5:15
